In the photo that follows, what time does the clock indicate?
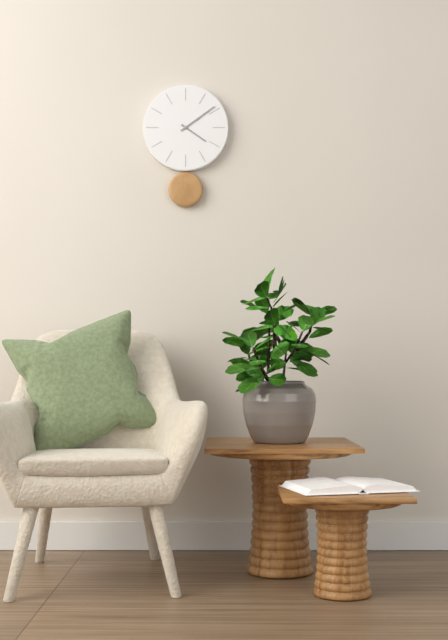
4:09
